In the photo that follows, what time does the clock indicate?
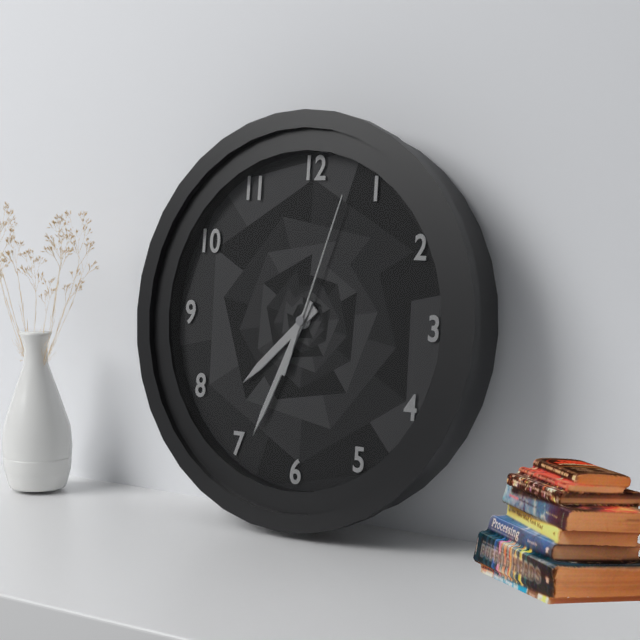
7:34:03
